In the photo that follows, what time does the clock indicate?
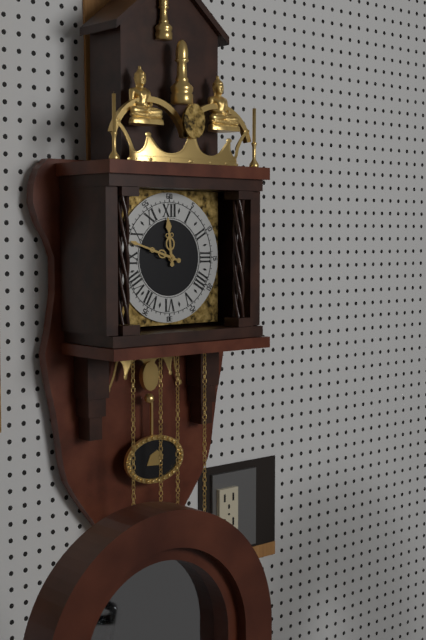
11:48
